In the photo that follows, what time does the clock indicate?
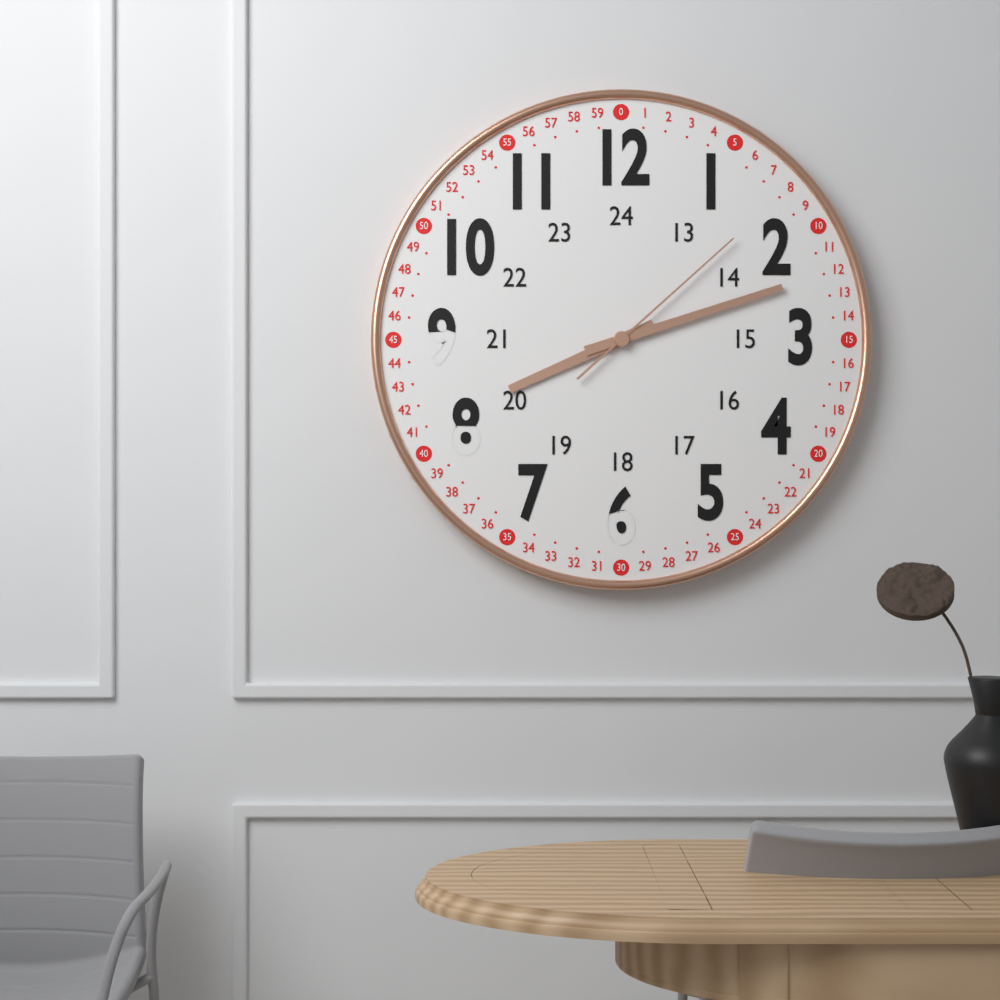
8:12:08
